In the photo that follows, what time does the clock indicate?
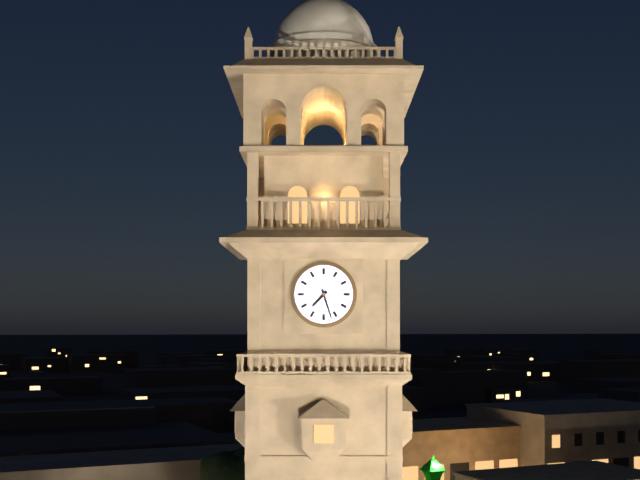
7:27
